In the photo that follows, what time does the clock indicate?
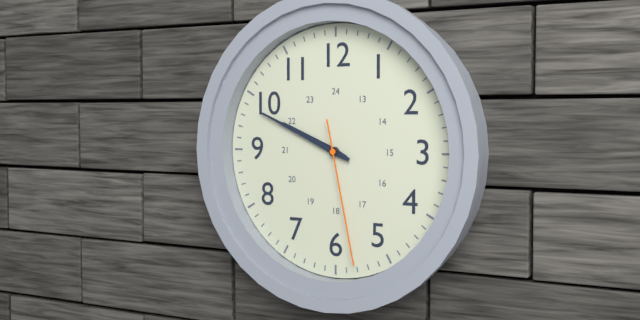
9:49:28
